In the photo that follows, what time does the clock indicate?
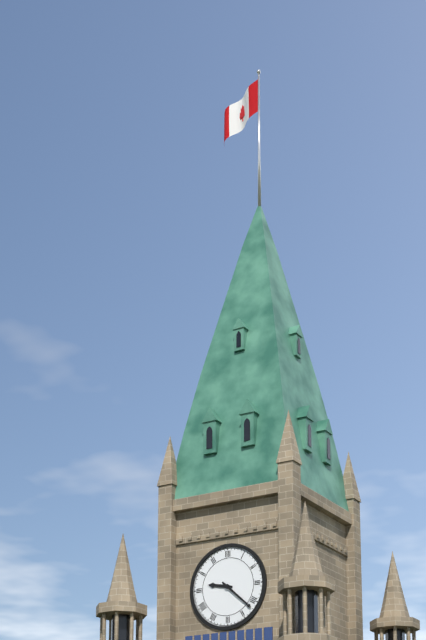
9:22
